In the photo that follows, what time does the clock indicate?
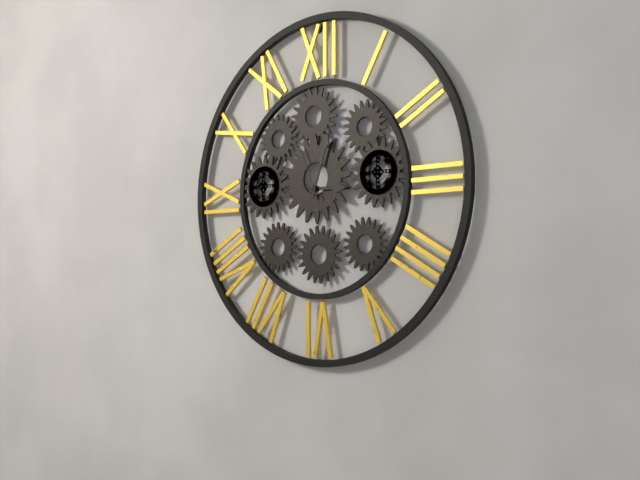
3:03:56
